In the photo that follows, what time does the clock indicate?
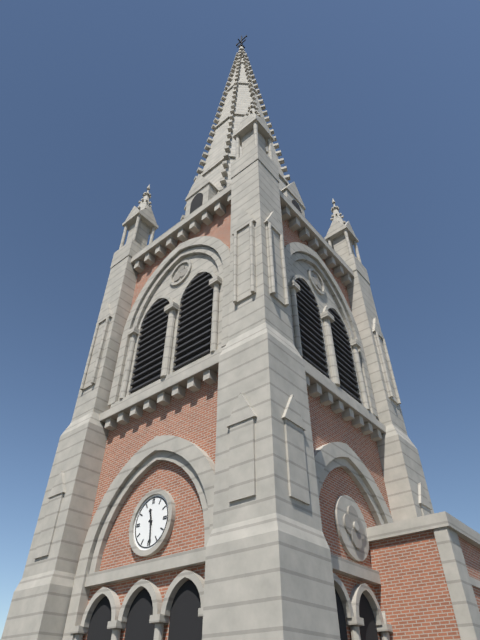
11:29
